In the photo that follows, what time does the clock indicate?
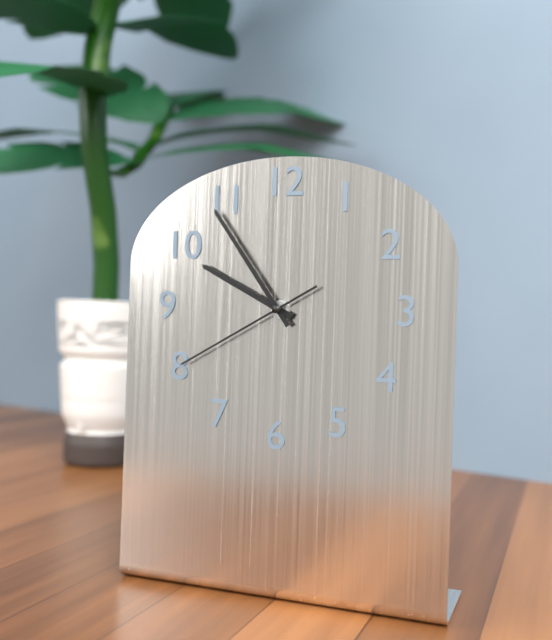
9:54:40
